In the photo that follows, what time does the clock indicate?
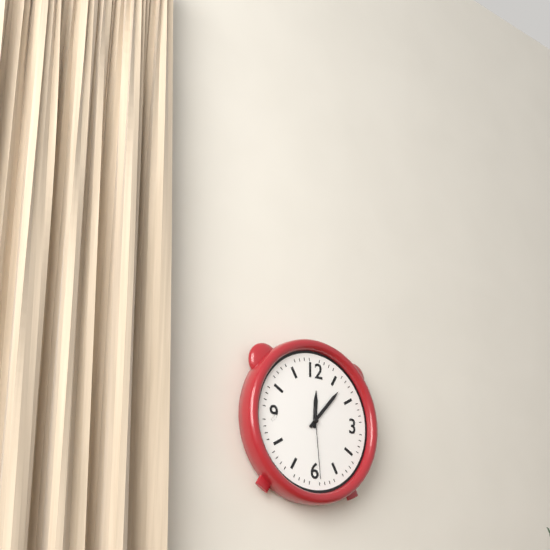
12:07:29
